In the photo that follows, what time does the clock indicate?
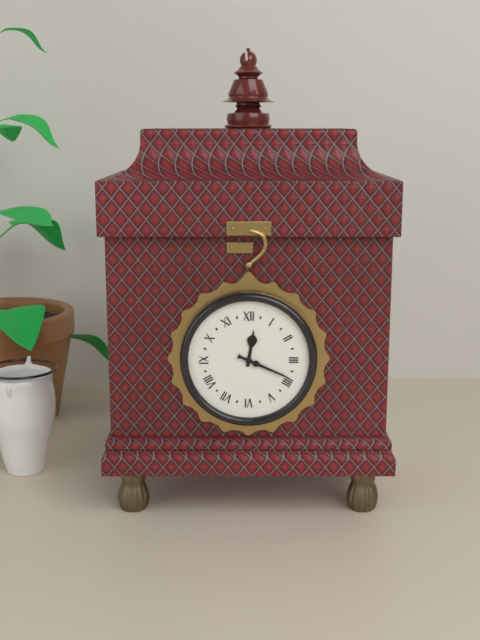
12:19
